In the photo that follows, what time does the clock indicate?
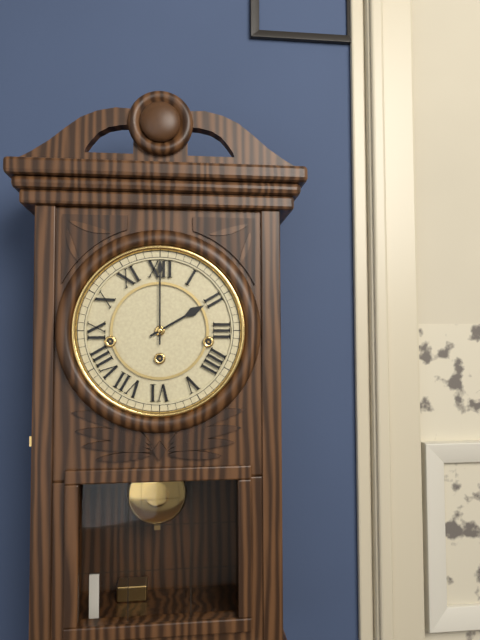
2:00
